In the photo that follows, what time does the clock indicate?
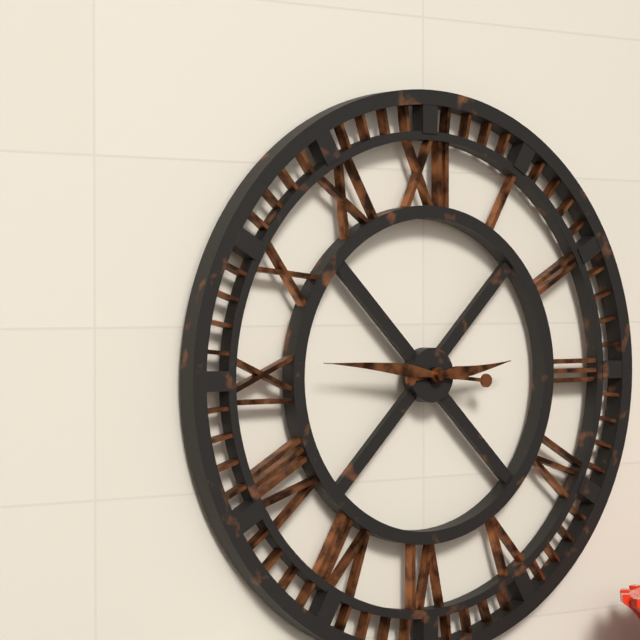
2:46
